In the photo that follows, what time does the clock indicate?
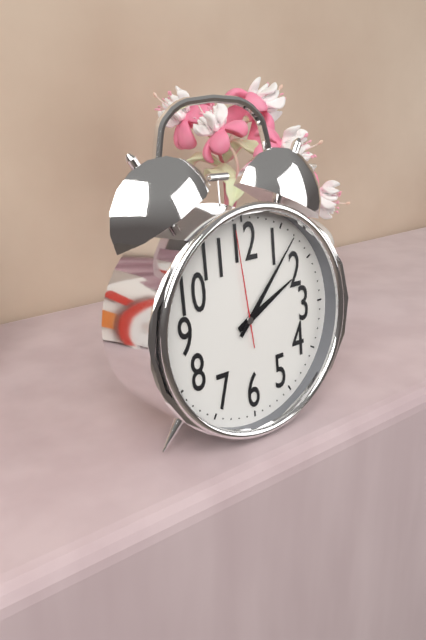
2:07:59
